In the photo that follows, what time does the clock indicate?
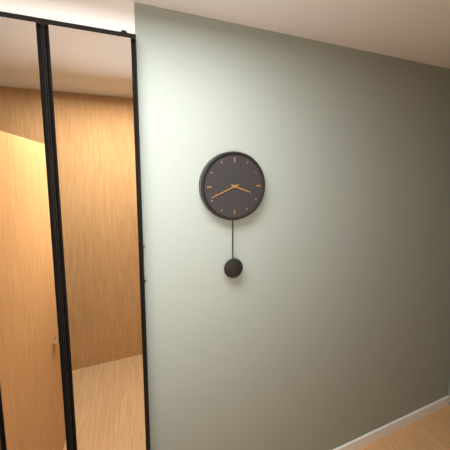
3:41
